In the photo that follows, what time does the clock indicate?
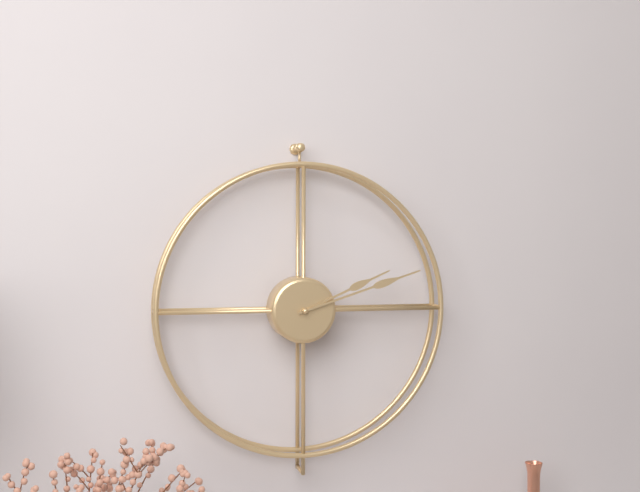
2:12
